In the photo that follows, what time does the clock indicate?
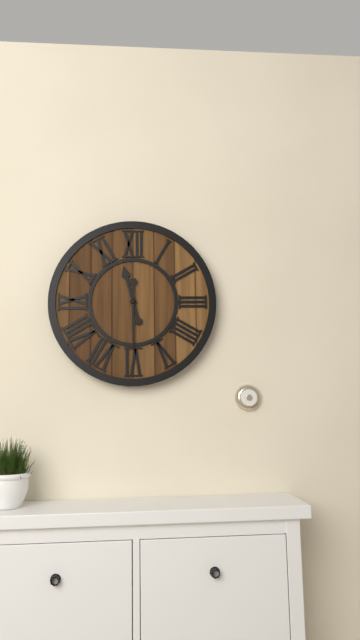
11:30
